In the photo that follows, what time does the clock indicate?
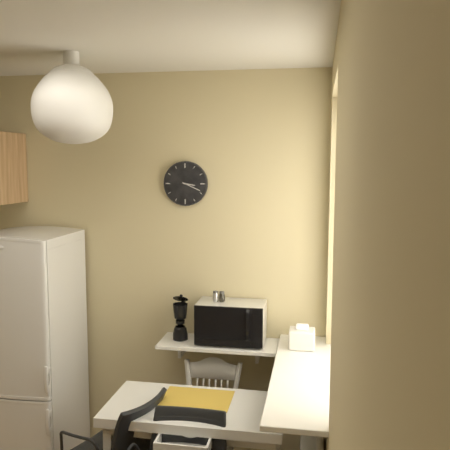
3:19
